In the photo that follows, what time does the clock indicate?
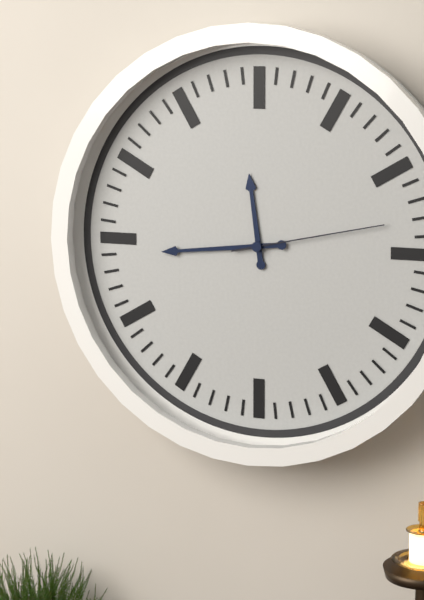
11:44:13
